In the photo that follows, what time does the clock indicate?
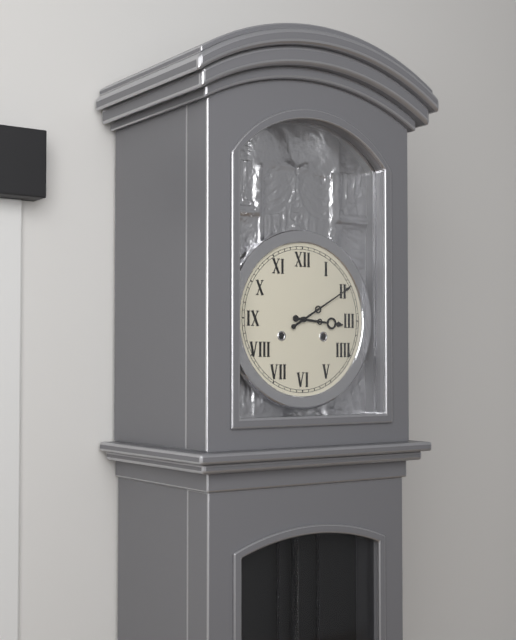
3:10
